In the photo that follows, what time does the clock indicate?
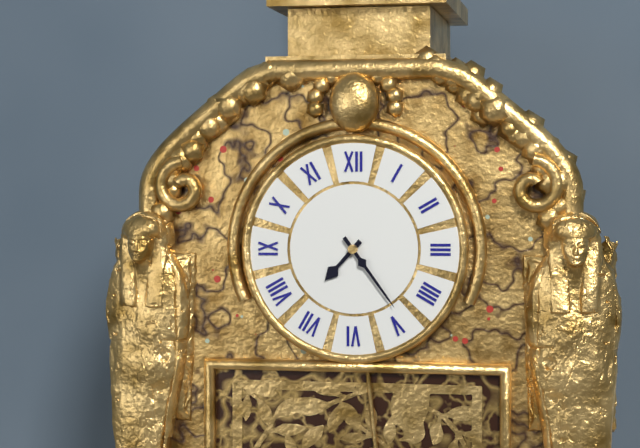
7:24
